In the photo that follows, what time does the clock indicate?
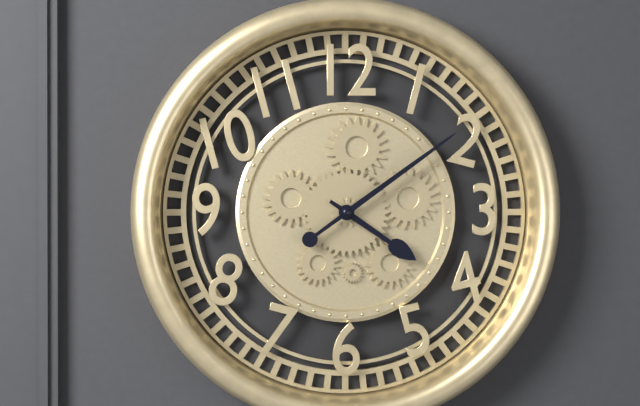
4:09
